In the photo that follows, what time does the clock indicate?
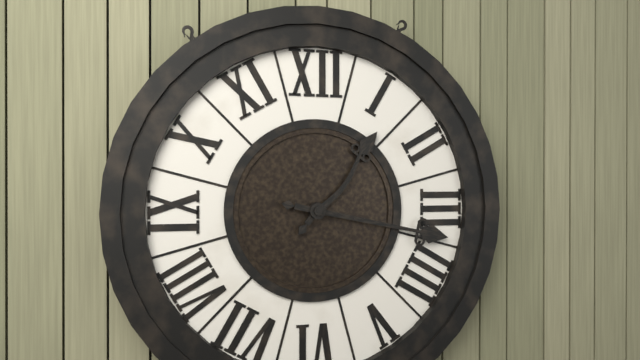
1:17
